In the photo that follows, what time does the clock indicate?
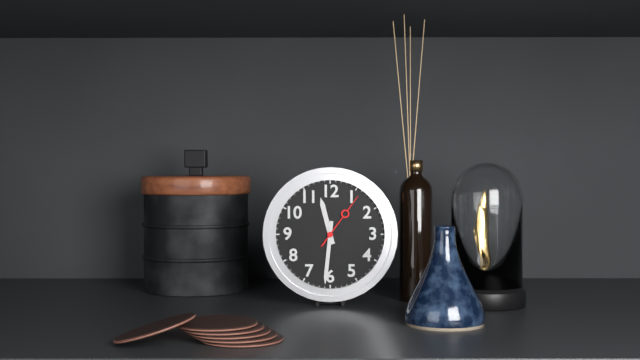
11:31:06
